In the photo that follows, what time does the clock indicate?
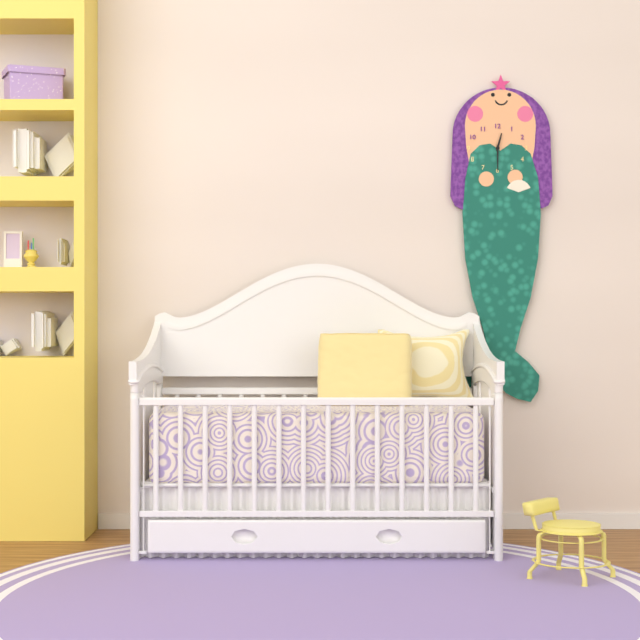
12:30
